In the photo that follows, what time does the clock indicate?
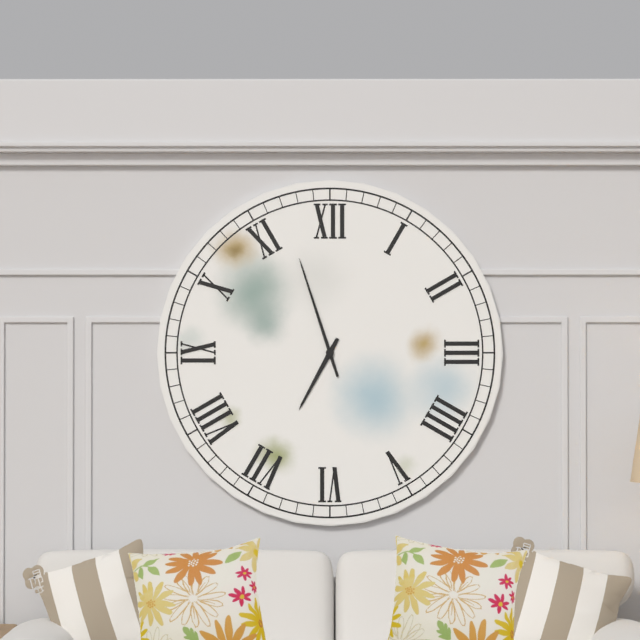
6:57
